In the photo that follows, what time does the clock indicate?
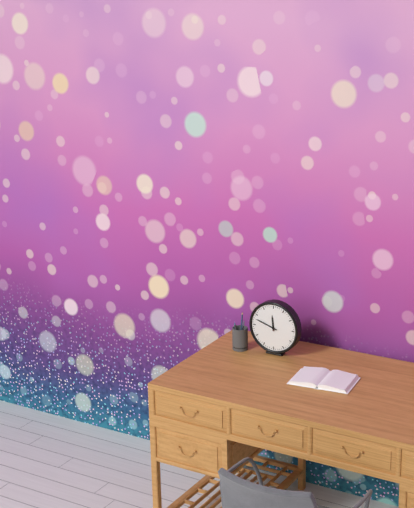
11:48
